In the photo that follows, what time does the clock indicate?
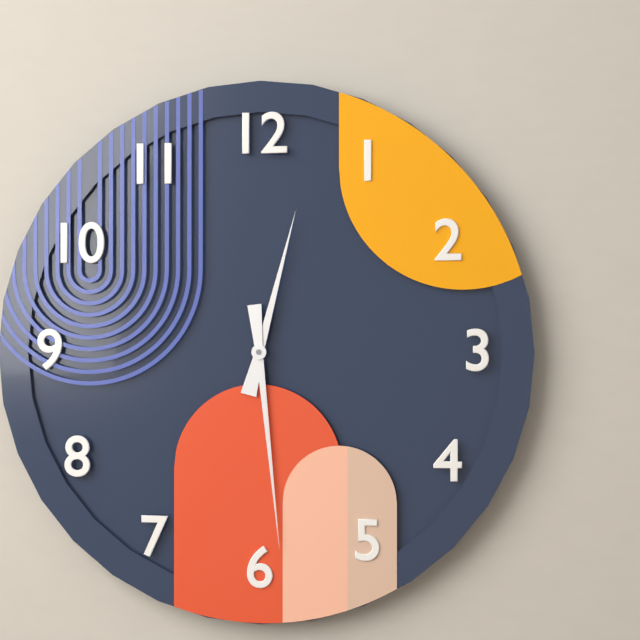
12:29
